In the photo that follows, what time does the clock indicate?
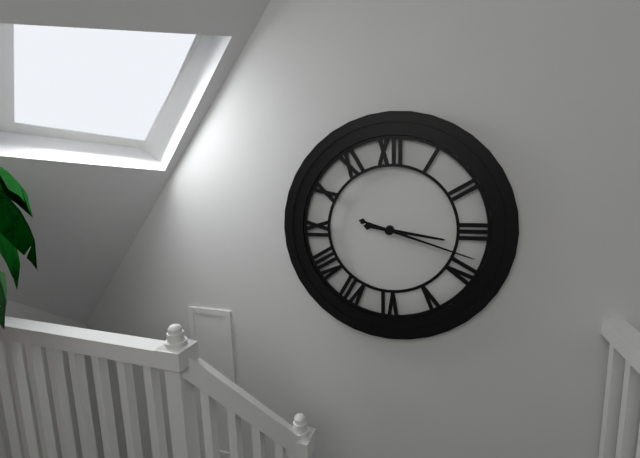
3:18
